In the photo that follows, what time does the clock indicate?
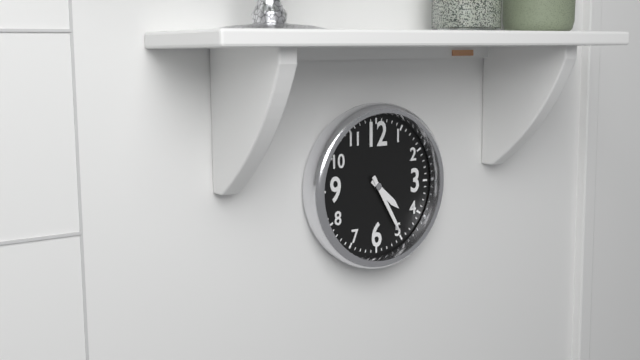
4:25
